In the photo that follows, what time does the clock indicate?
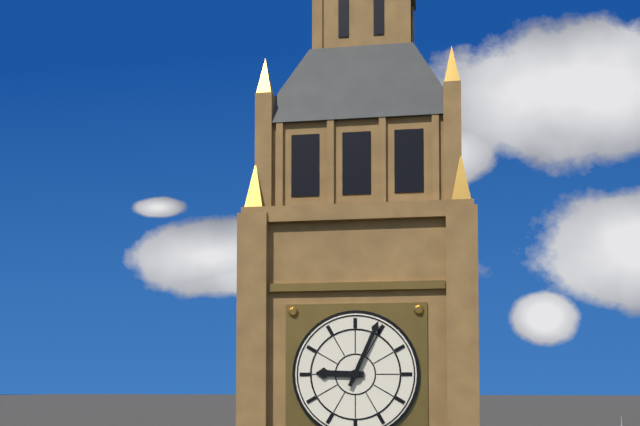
9:04
